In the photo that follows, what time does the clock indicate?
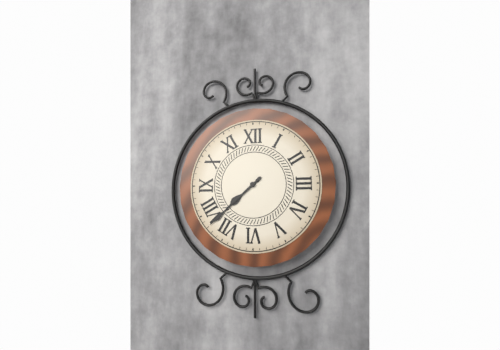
7:38
